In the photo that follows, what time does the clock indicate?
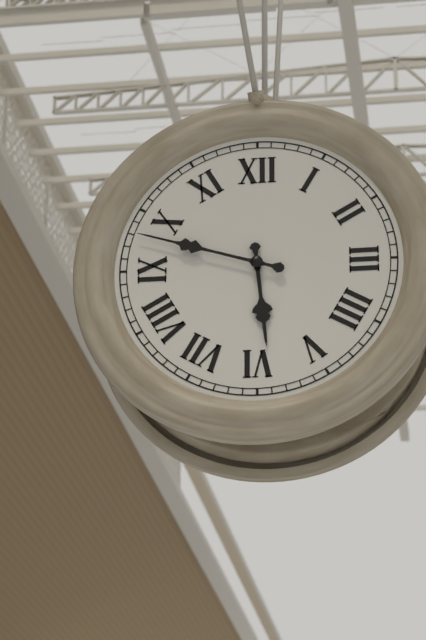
5:48
